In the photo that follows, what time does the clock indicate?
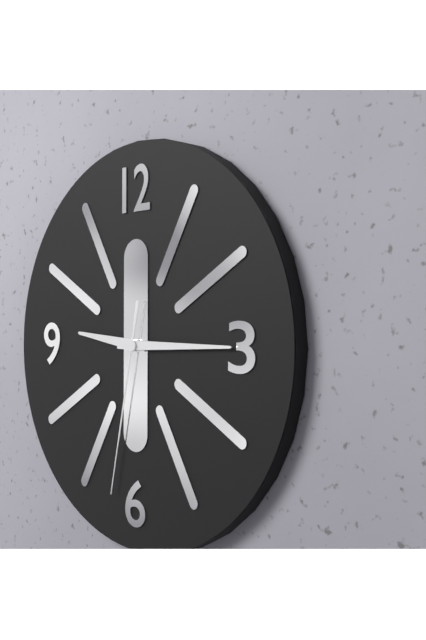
9:15:32
